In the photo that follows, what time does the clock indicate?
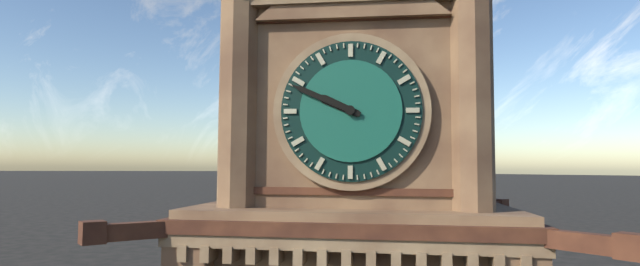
9:49
